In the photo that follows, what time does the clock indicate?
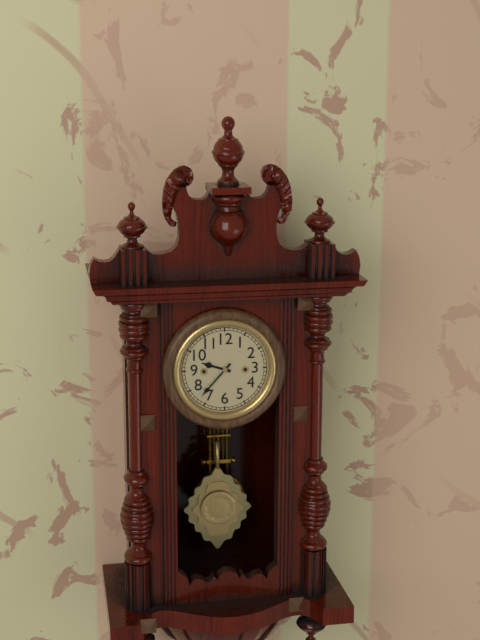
9:37
